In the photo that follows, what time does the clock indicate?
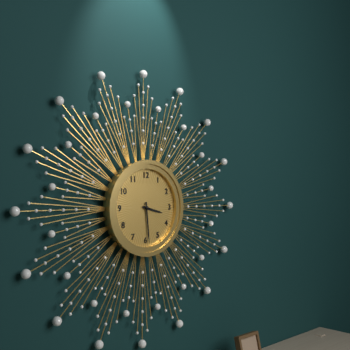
3:29
